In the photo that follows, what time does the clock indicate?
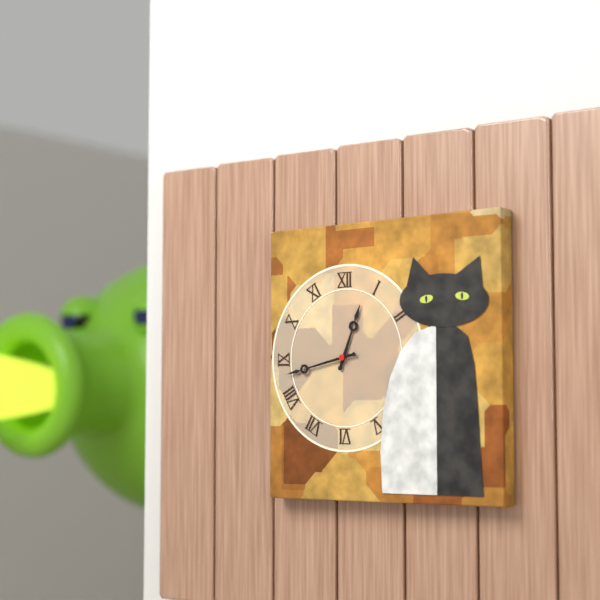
12:43
